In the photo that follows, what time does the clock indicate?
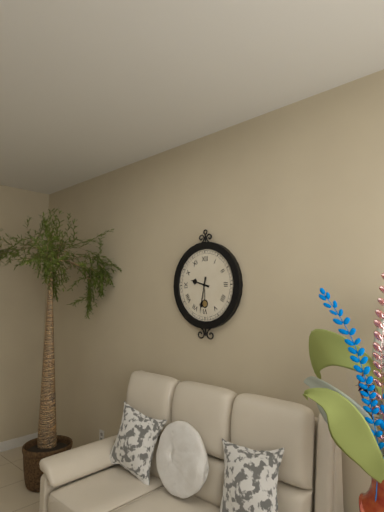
9:32
